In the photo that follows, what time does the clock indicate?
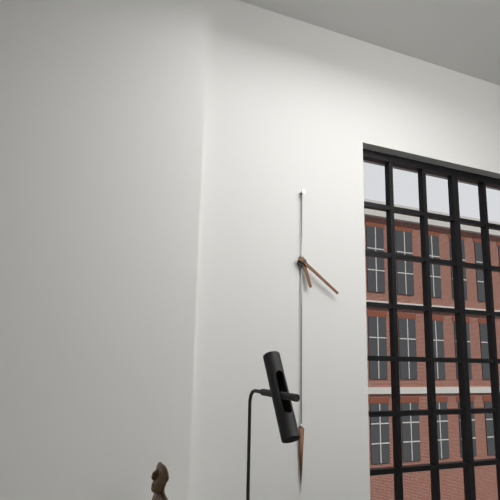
5:21
